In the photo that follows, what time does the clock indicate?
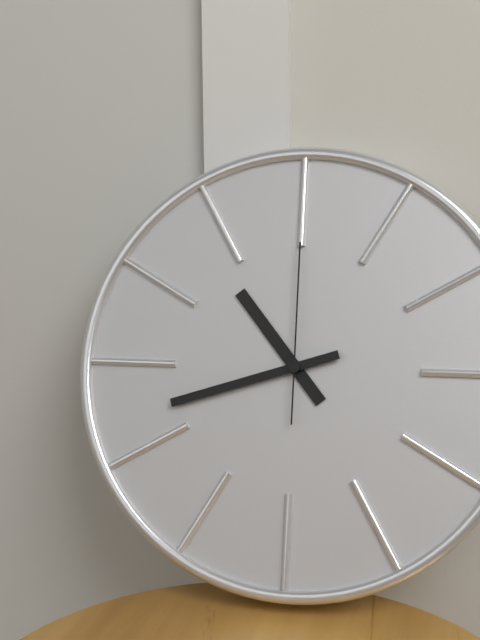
10:42:00
